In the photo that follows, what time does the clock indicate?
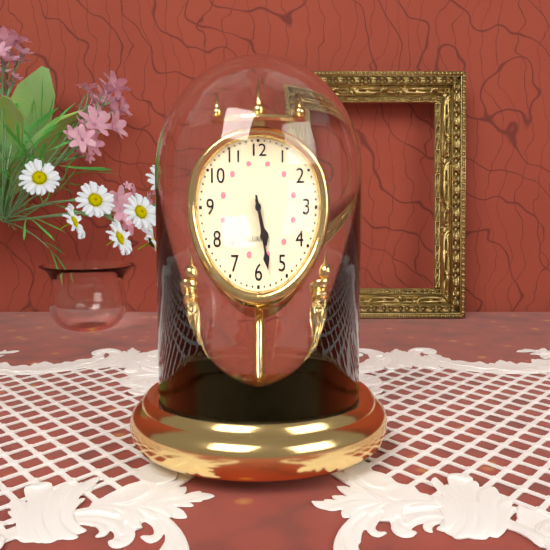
5:28
